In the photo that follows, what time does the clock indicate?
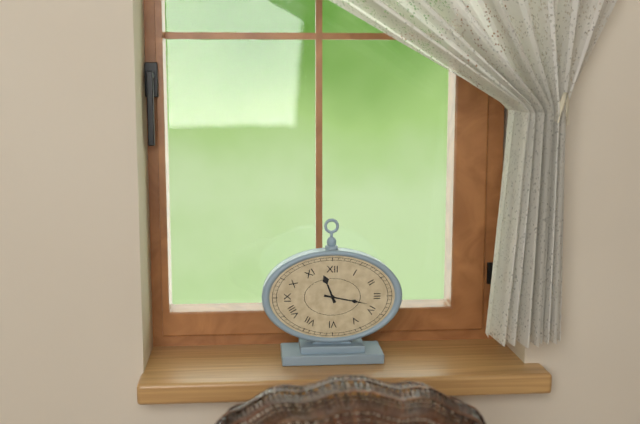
11:17
